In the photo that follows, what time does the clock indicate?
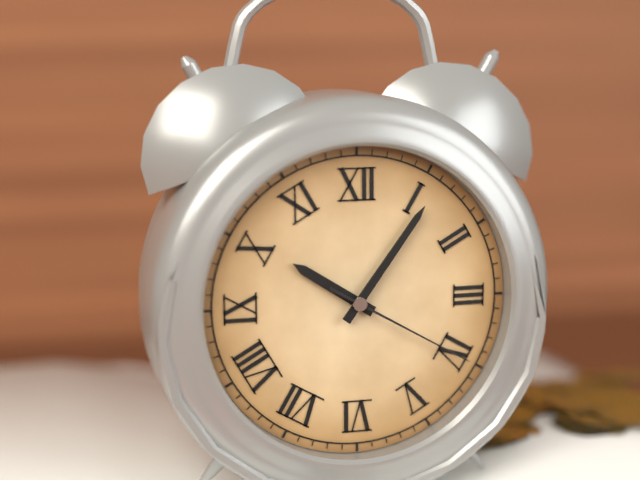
10:06:20
